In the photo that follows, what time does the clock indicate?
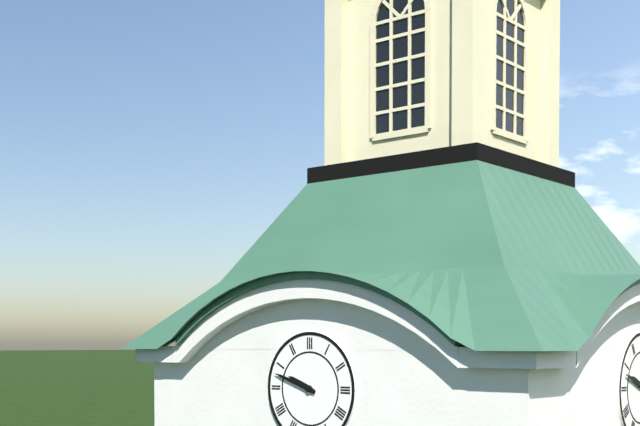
9:48
